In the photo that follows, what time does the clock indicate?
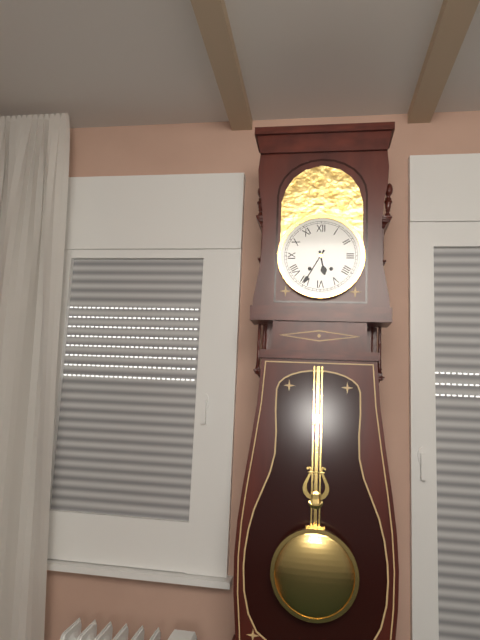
5:35
